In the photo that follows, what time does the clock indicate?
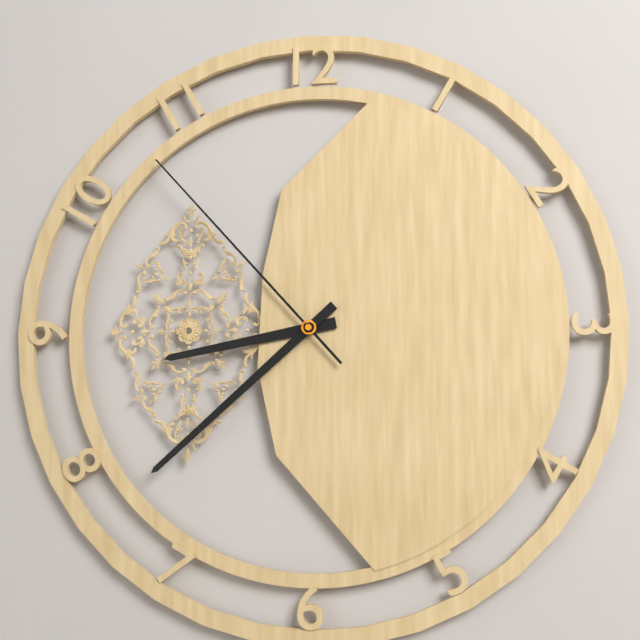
8:38:53
